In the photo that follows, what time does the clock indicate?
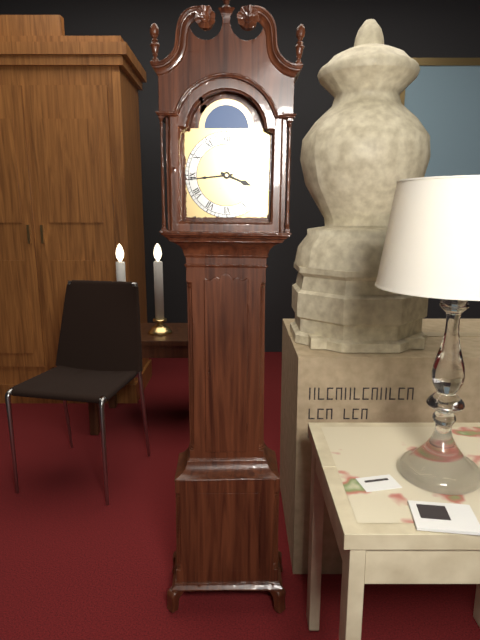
3:44
